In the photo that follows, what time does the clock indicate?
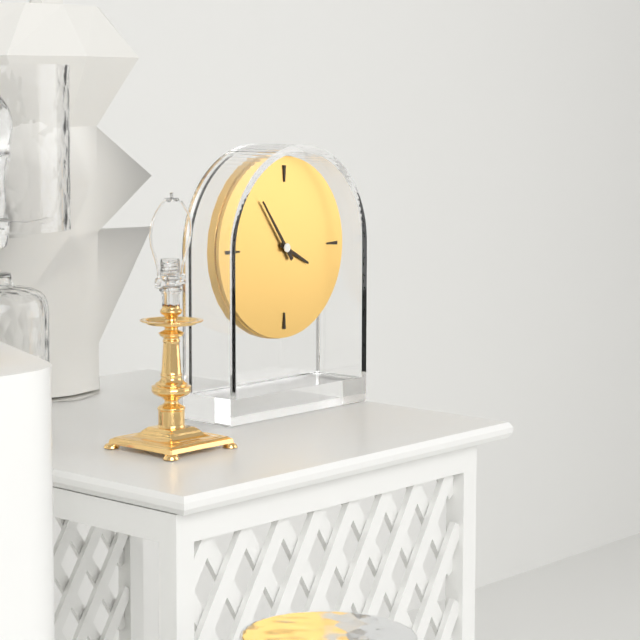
3:54
